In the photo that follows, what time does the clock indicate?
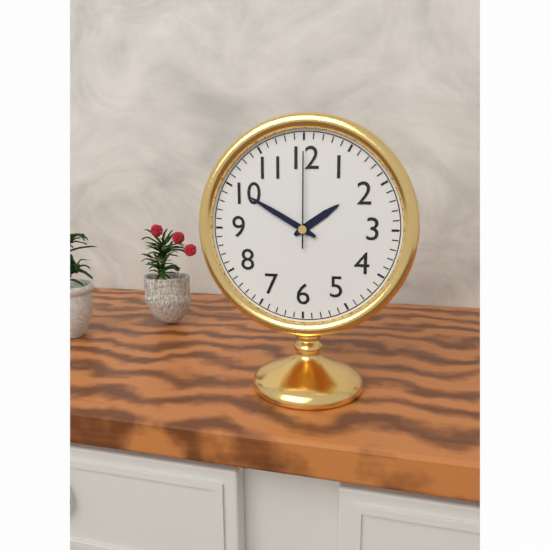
1:50:00
